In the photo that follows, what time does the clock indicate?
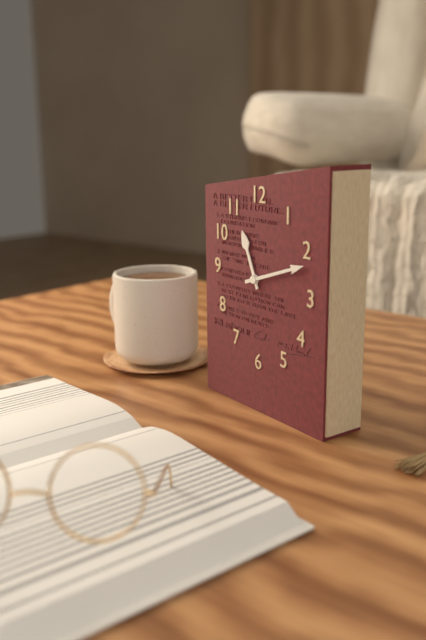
11:12
